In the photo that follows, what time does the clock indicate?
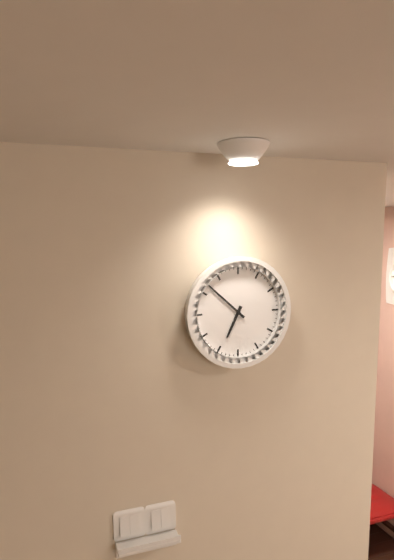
6:52
